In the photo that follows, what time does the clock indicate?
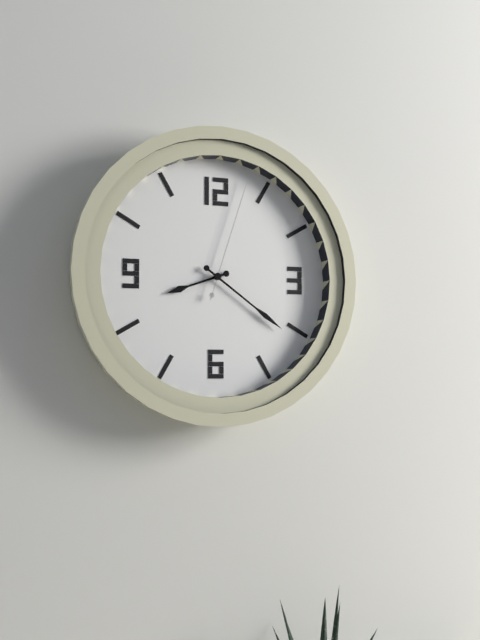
8:21:03
